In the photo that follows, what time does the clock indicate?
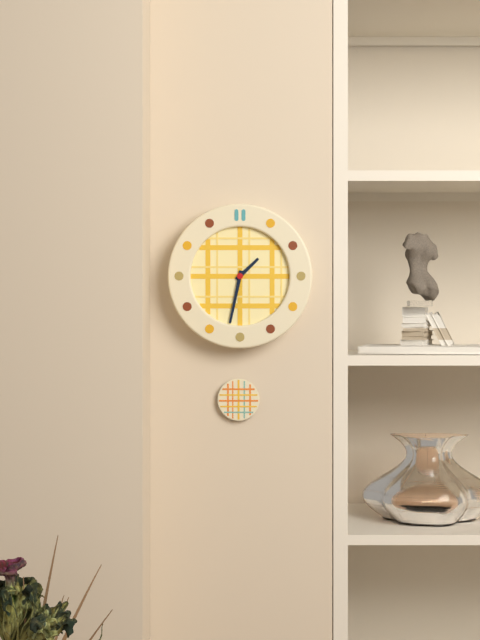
1:32
